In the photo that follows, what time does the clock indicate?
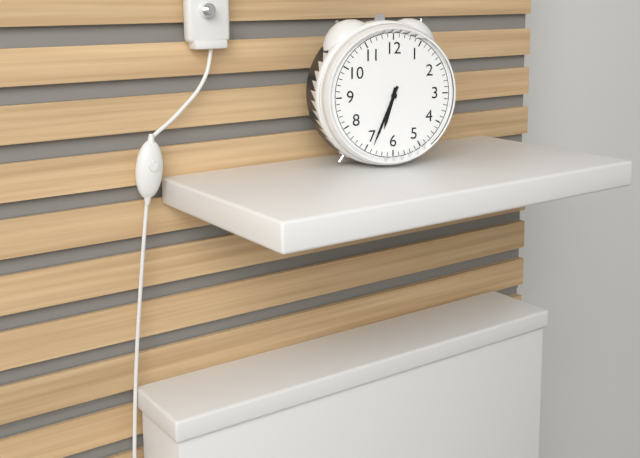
6:34
